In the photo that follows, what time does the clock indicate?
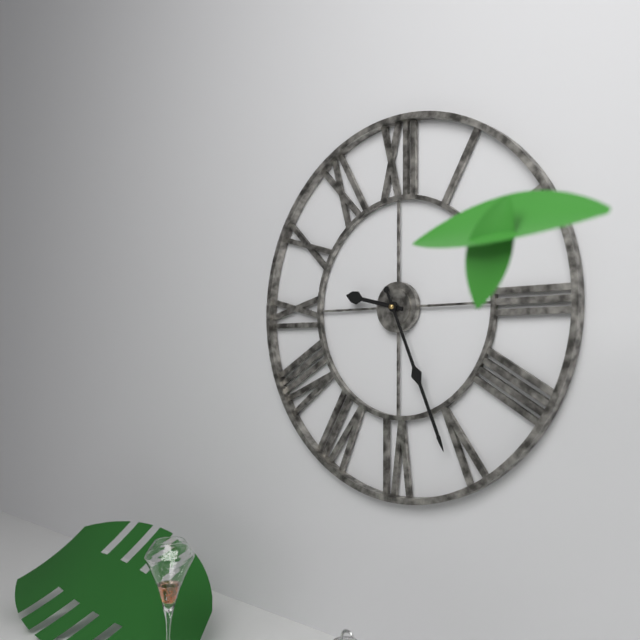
9:26
